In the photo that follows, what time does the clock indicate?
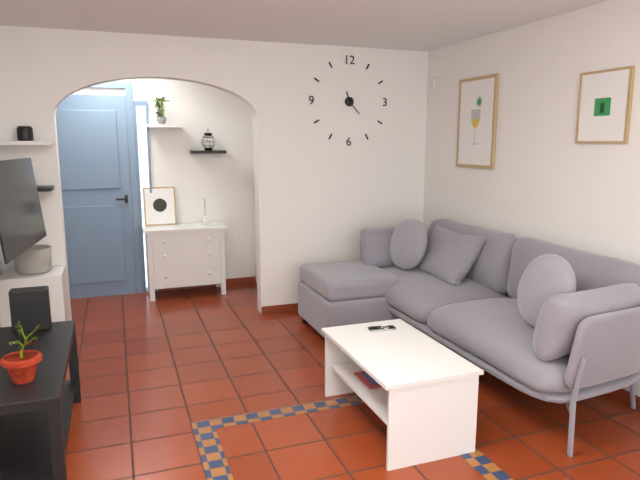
11:23
